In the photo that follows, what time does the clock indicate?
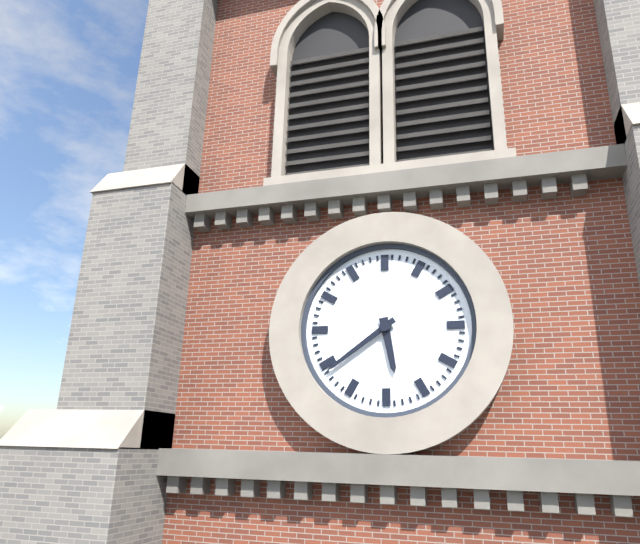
5:39
